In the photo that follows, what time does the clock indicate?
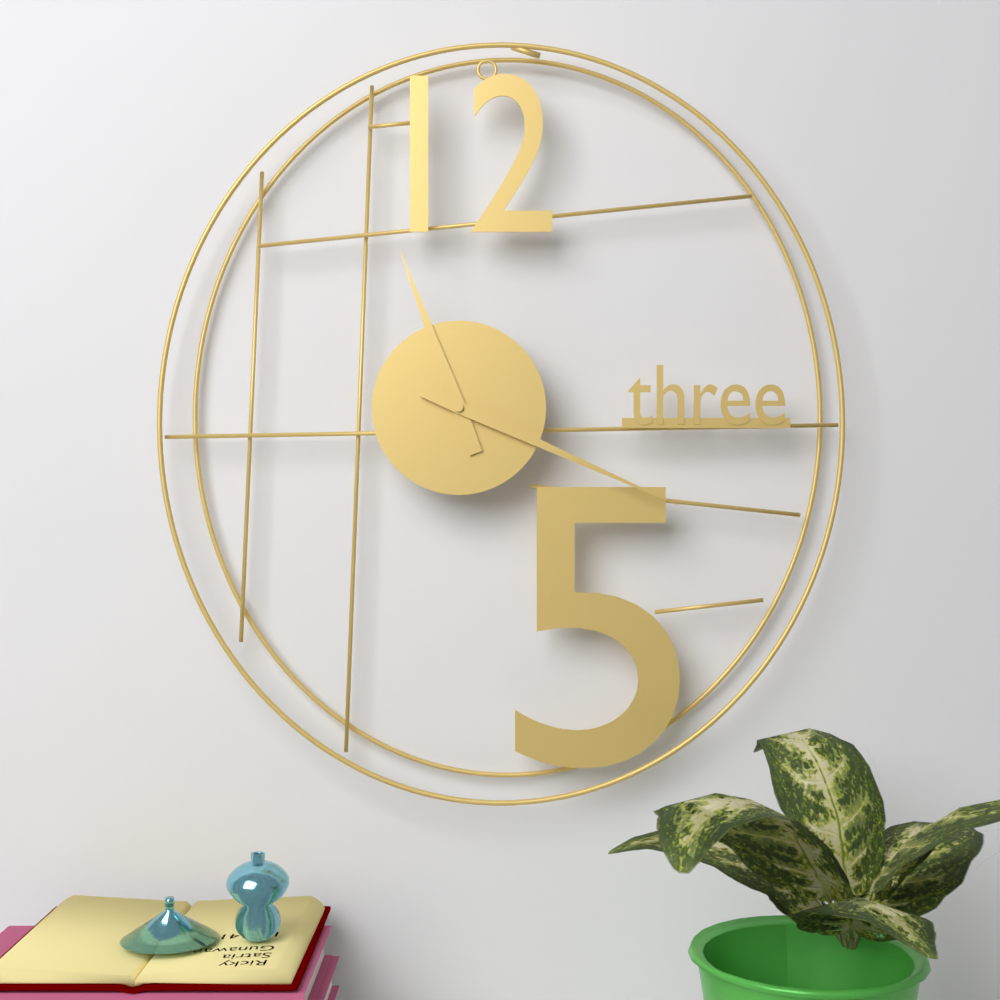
11:19
